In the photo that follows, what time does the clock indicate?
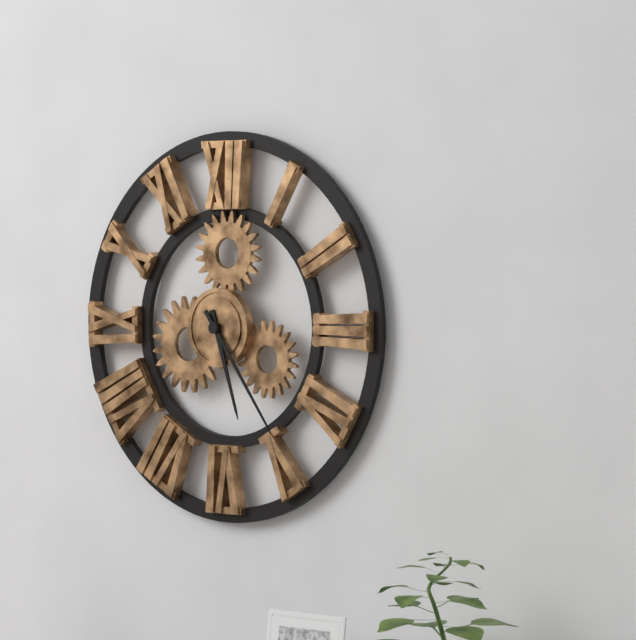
5:24
